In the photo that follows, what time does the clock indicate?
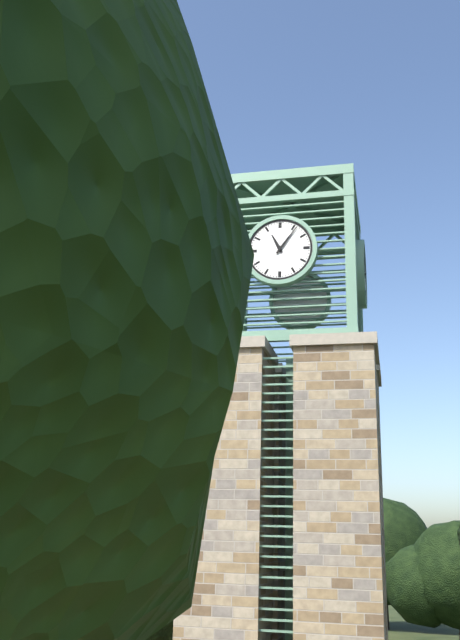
11:06
